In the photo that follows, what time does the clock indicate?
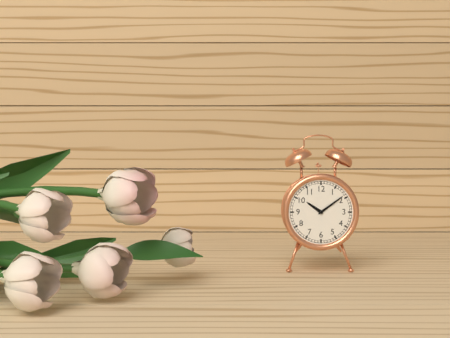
10:09
